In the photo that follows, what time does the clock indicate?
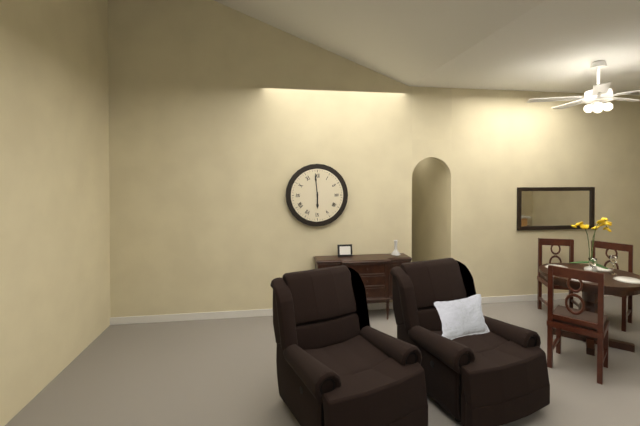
5:59
